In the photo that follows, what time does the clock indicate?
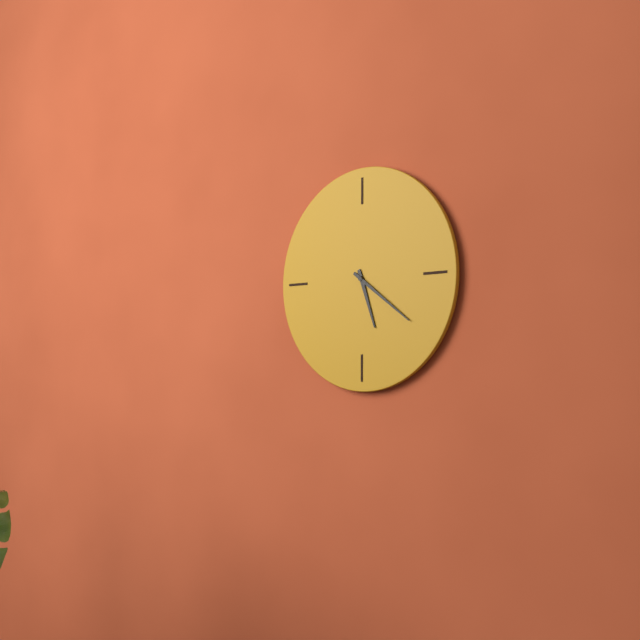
5:21
